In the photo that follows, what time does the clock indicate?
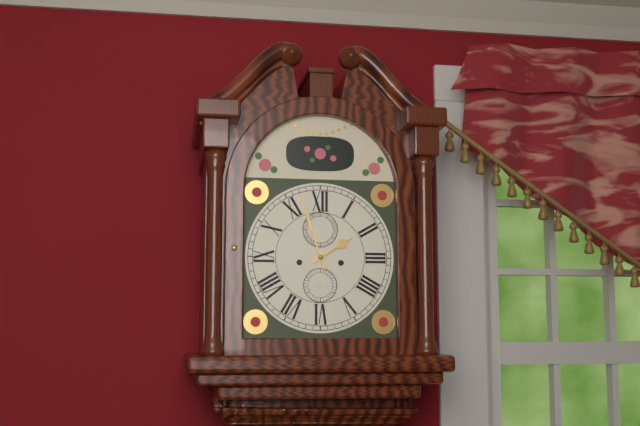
1:57
